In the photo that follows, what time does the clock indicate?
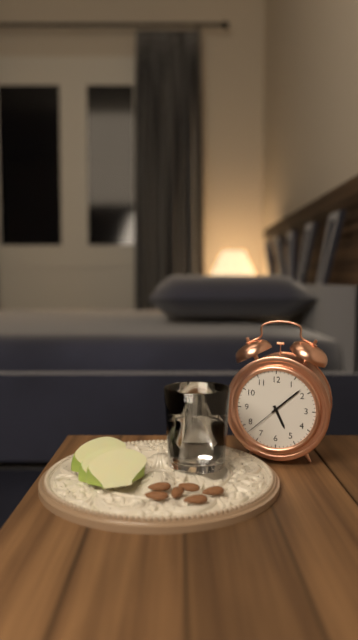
5:08
